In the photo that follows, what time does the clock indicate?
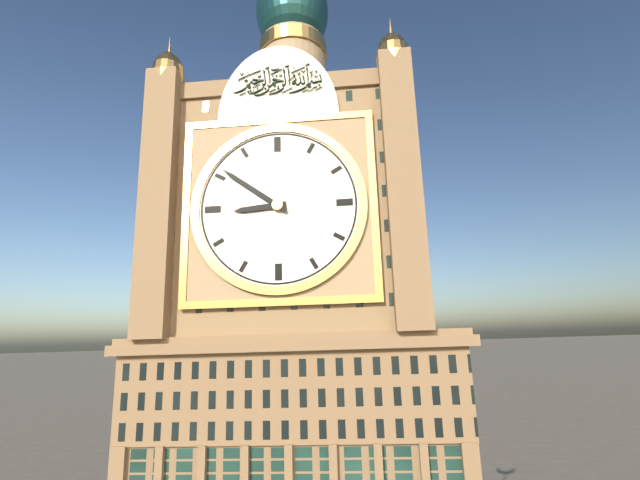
8:51
